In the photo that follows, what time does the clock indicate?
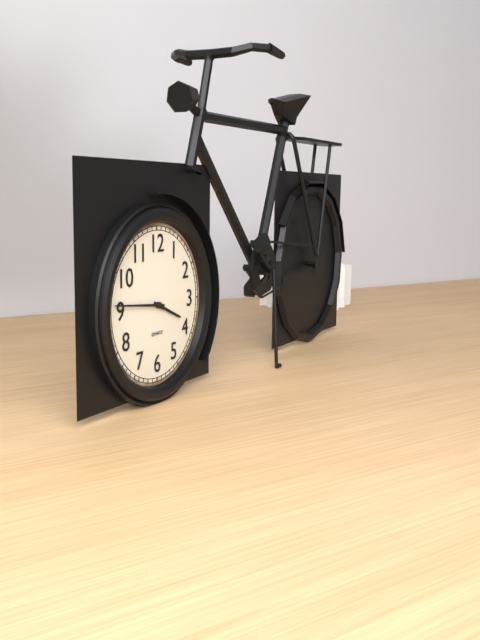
3:46
